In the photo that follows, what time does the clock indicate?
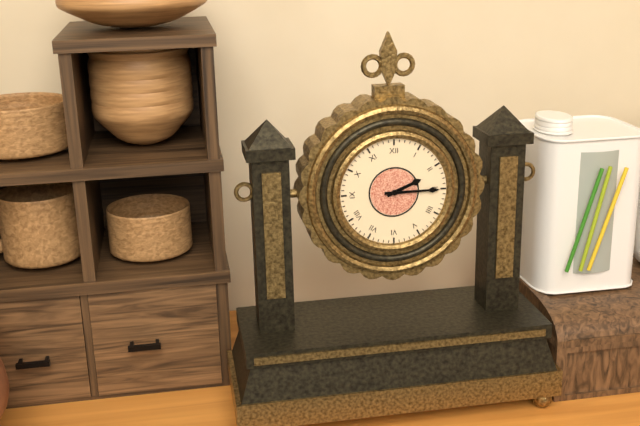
2:15
